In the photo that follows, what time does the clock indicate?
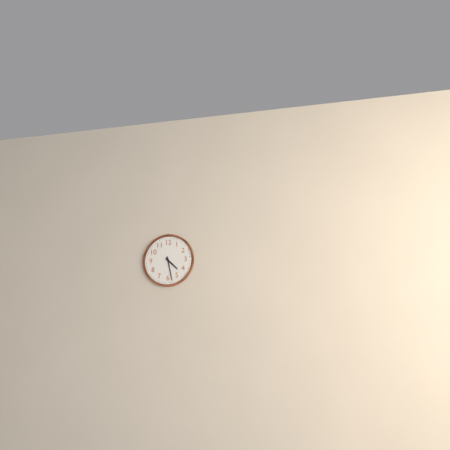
4:28
